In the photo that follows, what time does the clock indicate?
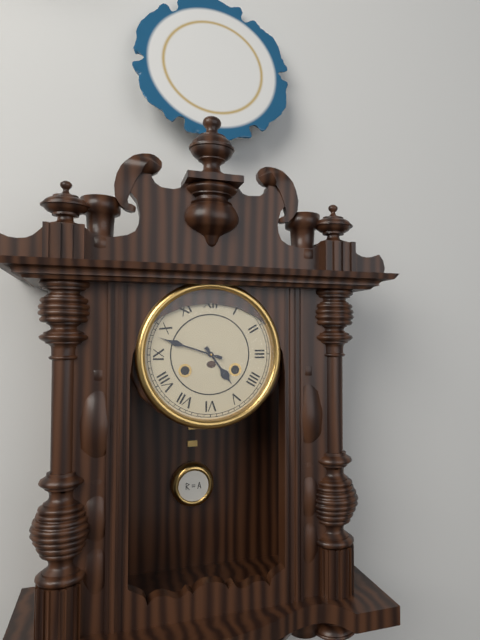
4:48
